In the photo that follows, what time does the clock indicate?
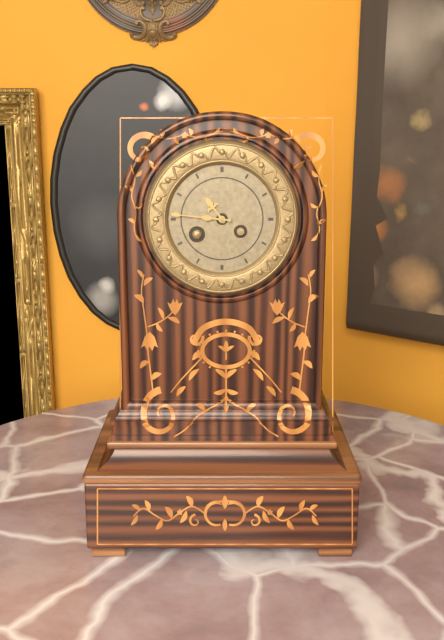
10:46
